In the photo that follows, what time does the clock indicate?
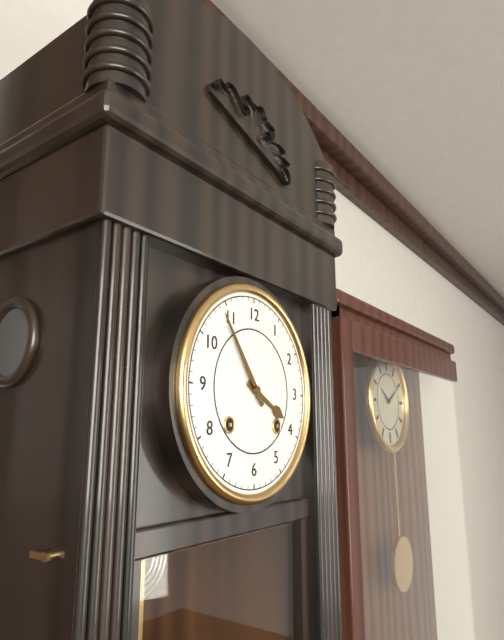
3:54
